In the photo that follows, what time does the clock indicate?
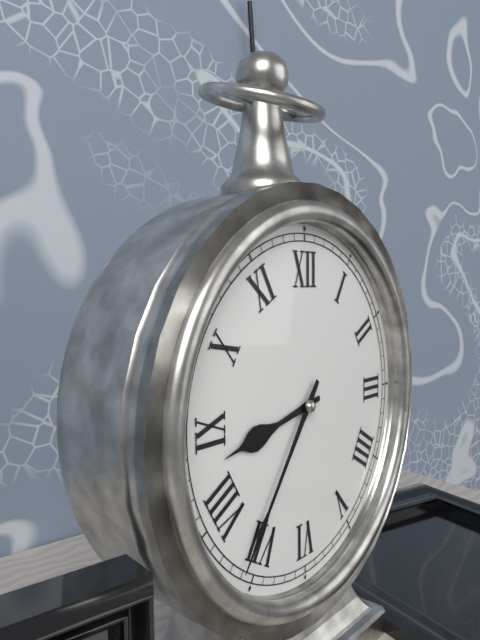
8:36
